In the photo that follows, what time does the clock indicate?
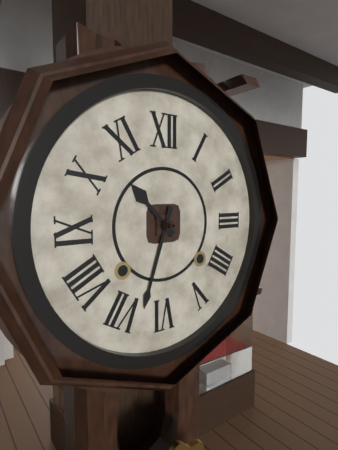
10:33
